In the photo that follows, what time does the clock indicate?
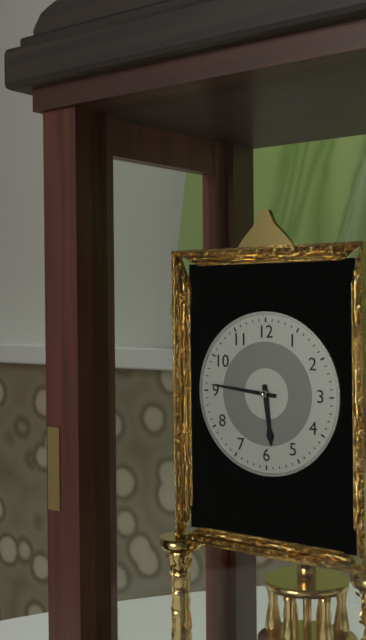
5:46
